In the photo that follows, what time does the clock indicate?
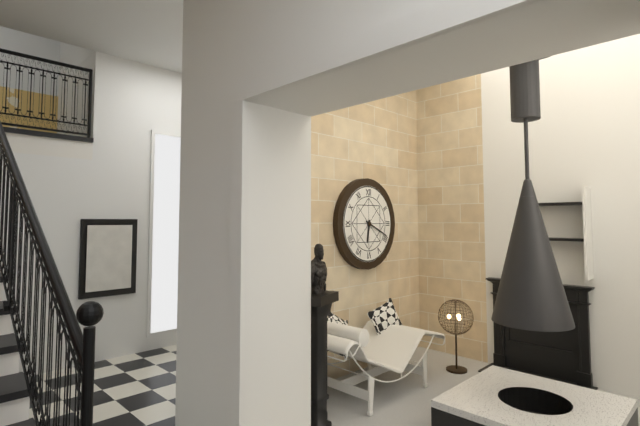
6:19
